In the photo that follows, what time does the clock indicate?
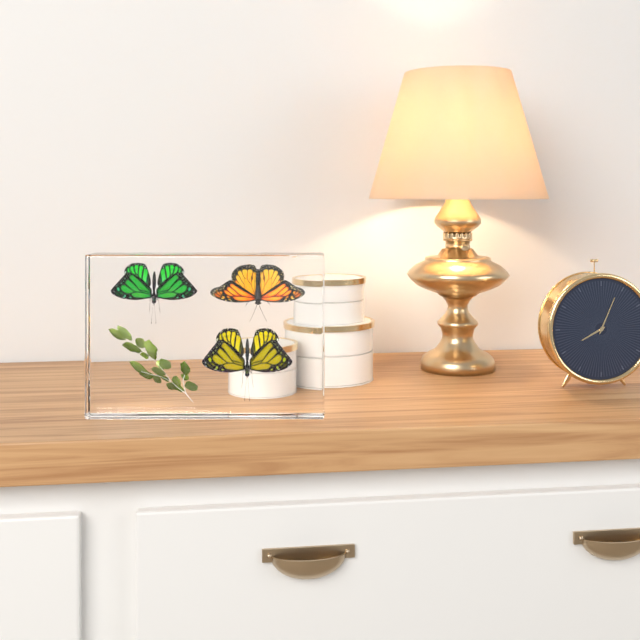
8:04
